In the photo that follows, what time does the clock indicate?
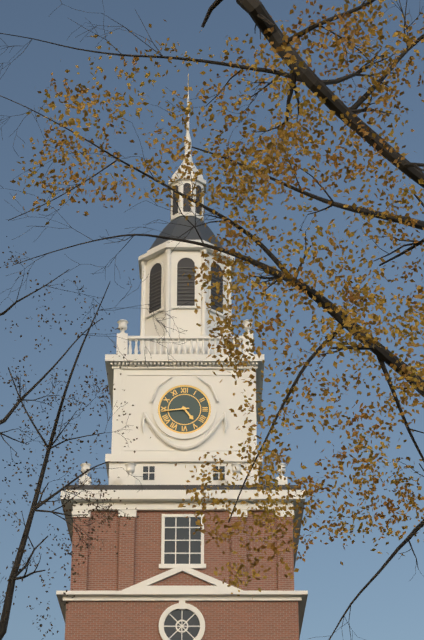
4:44
